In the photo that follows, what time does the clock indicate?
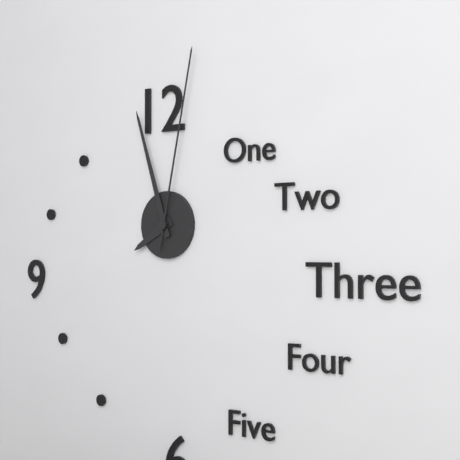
7:57:02
